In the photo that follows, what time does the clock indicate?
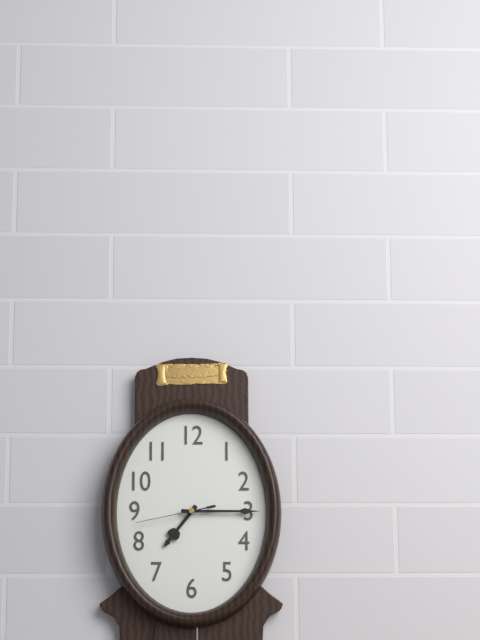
7:15:43
